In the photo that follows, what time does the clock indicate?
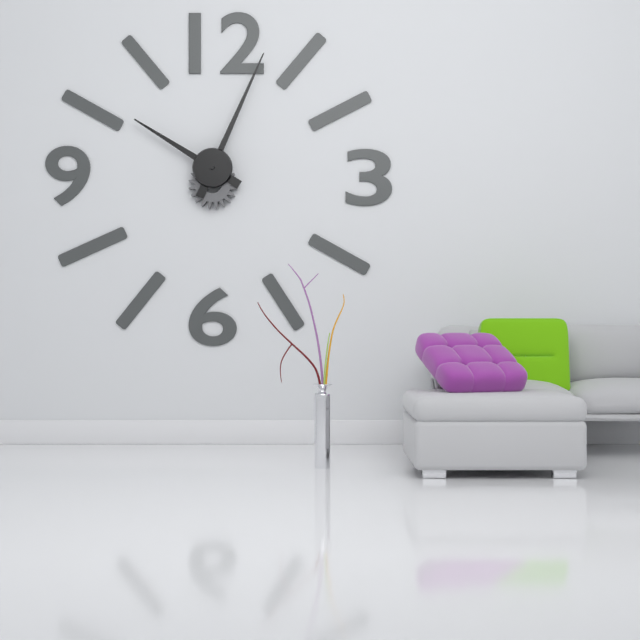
10:04
